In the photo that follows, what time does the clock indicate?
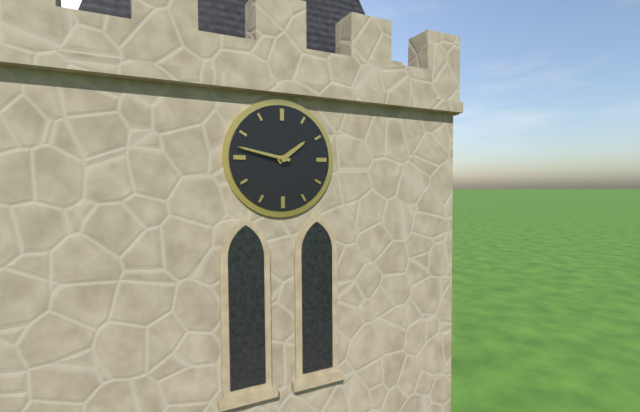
1:47
